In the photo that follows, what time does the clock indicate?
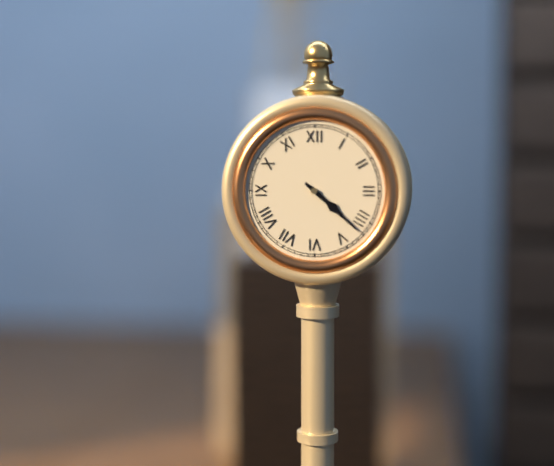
4:22
